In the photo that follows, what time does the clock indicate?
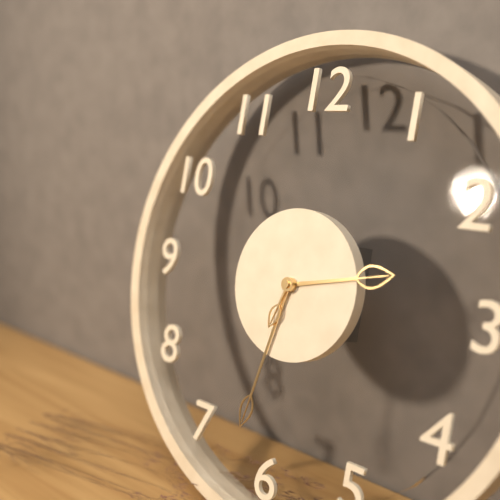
2:32:33
